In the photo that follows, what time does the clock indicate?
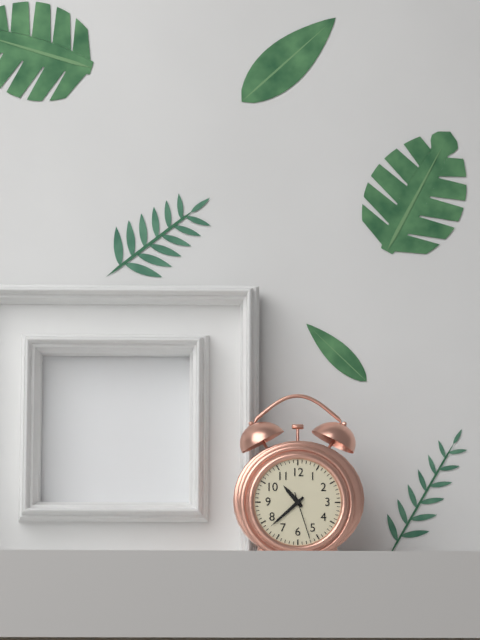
10:38
